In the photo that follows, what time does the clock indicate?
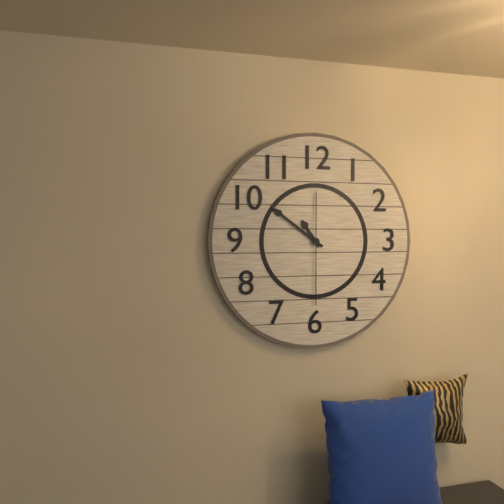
10:51:30
